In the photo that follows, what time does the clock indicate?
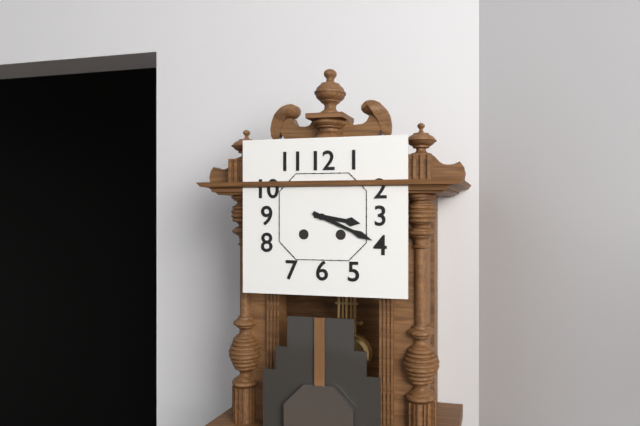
3:19
